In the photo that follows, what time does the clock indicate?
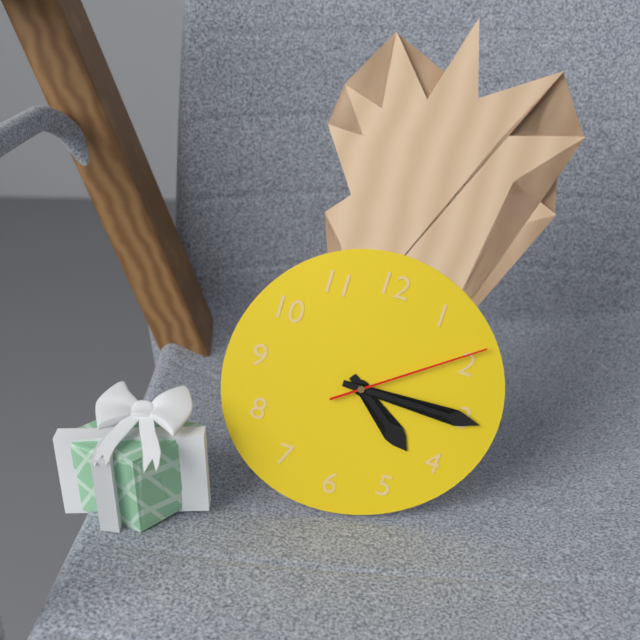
4:15:09
